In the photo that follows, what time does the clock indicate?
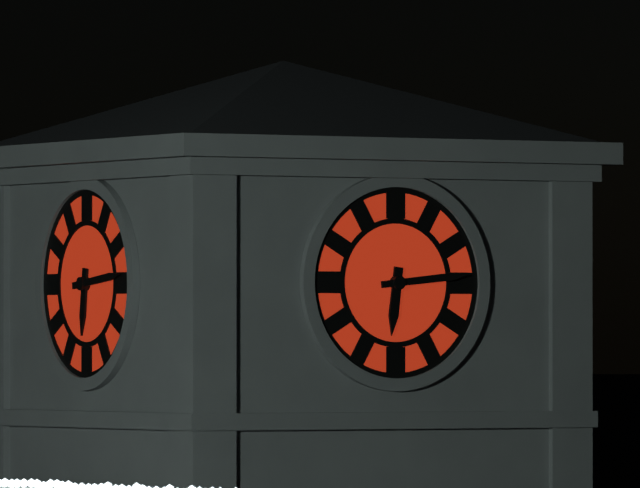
6:14
